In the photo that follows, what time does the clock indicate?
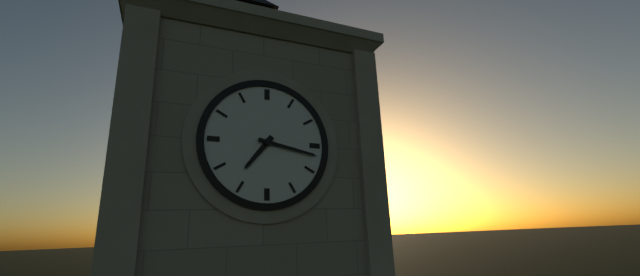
7:17
